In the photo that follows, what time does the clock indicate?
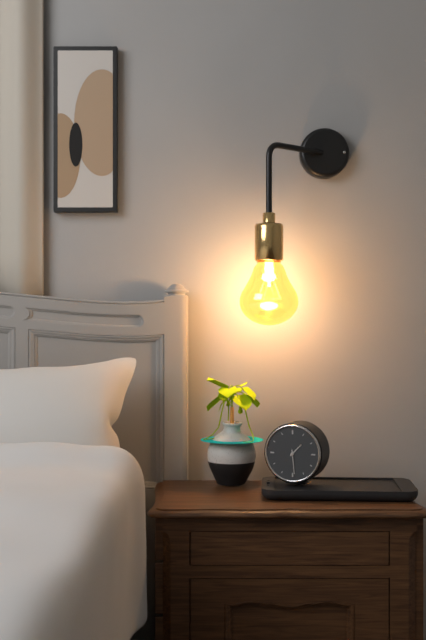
1:29
